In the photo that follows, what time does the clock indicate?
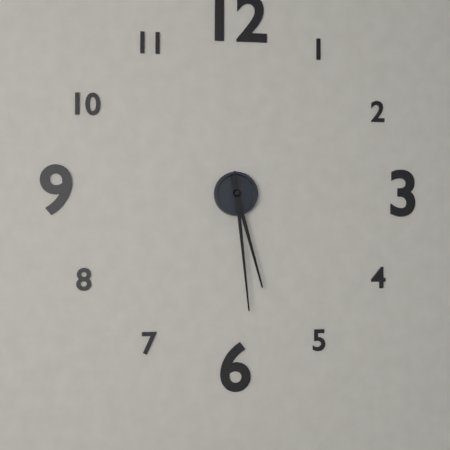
5:29
